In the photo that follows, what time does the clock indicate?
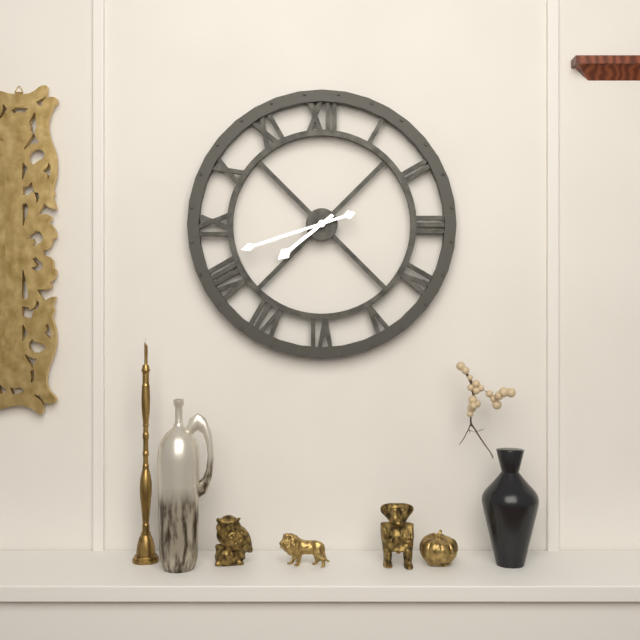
7:42
